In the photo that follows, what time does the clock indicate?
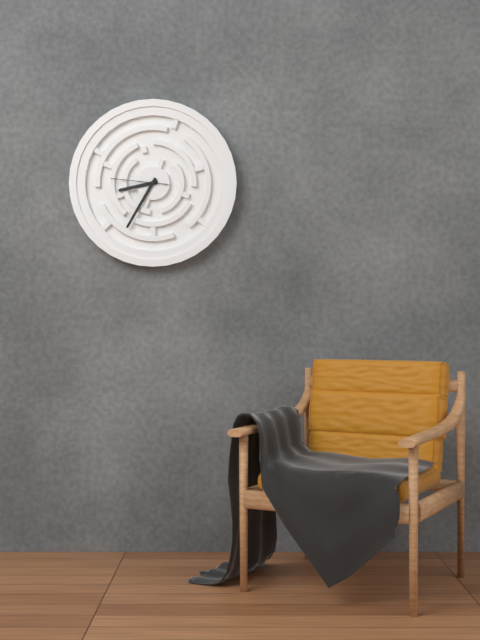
8:35:46
